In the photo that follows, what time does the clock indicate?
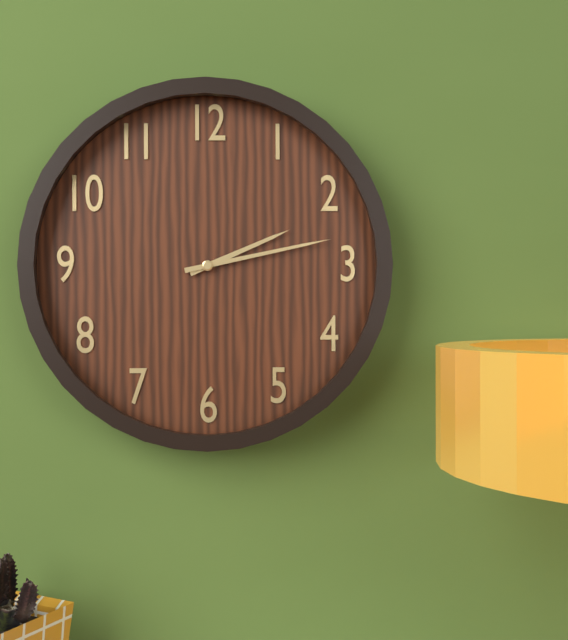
2:13
